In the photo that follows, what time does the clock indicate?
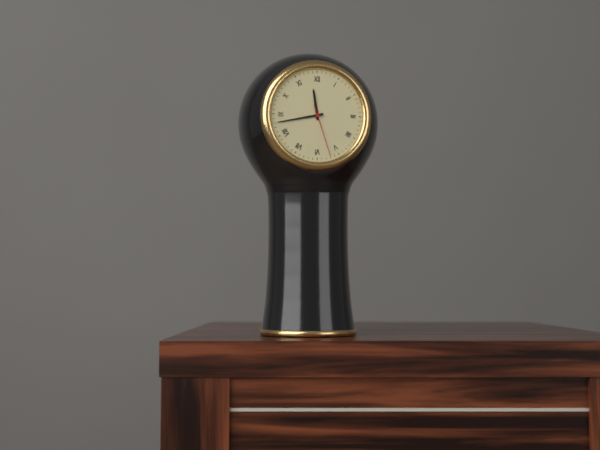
11:43:27
